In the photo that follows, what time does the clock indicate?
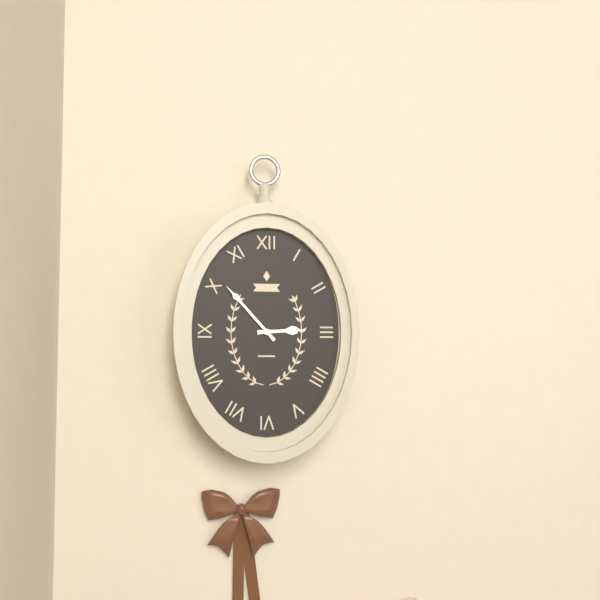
2:53
